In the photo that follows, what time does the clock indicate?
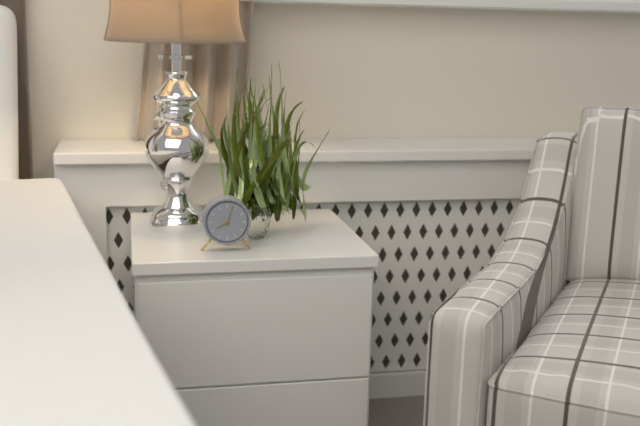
8:03
